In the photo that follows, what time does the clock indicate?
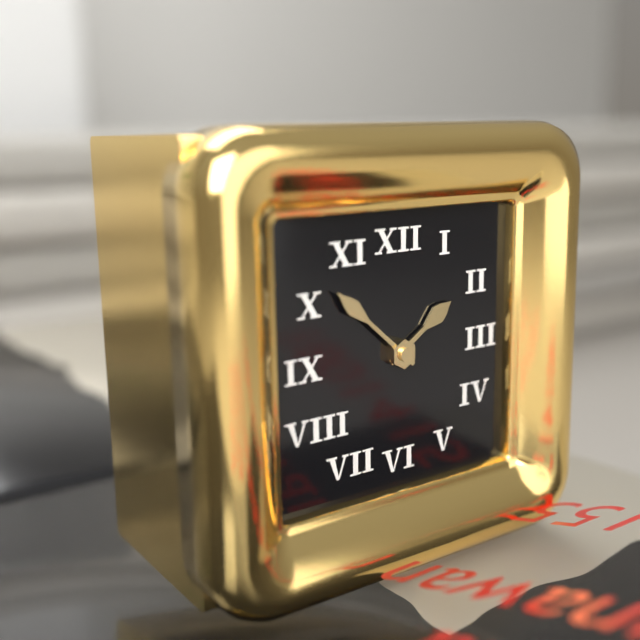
1:52
